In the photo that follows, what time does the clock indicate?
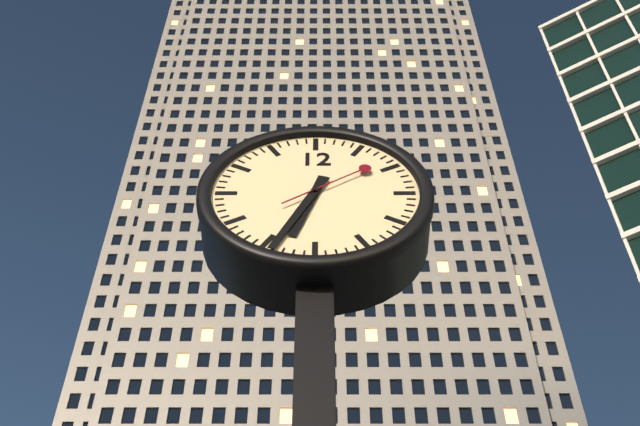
6:34:09
